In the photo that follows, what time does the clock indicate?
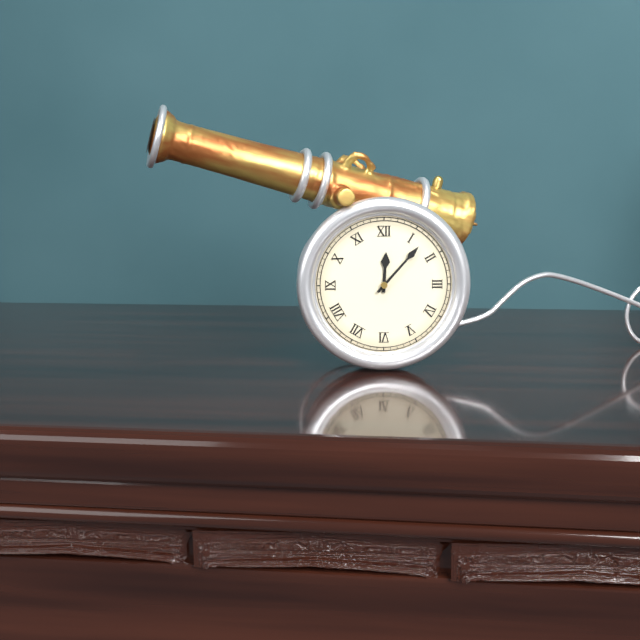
12:07
